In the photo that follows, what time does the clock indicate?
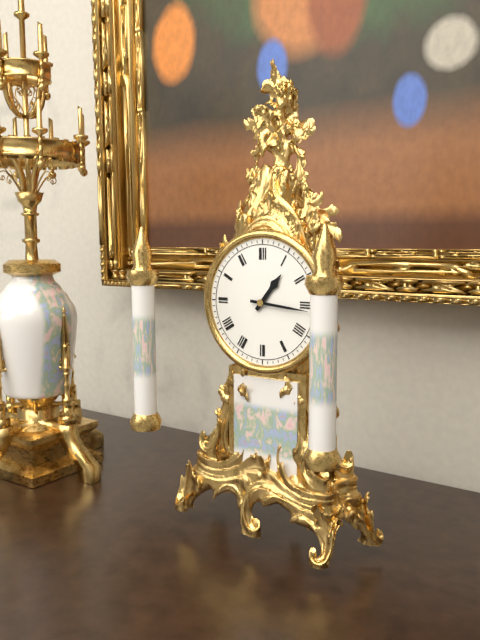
1:16
